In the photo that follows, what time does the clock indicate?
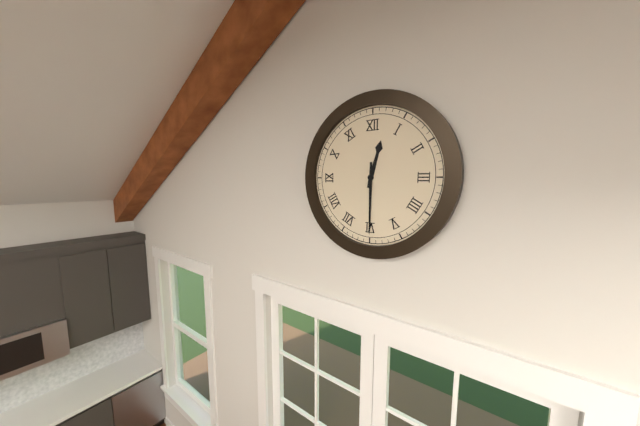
12:30
